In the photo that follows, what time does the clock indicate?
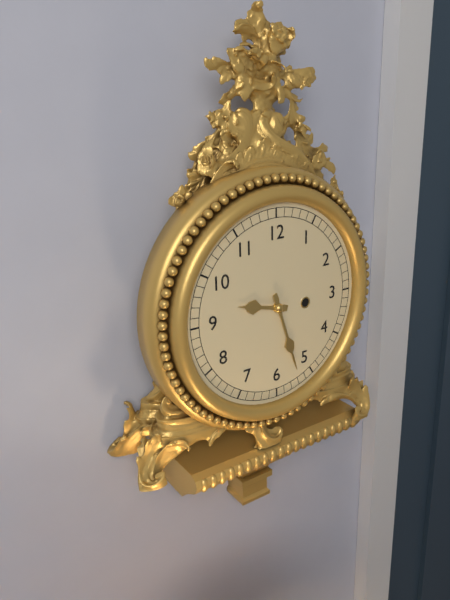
9:27
